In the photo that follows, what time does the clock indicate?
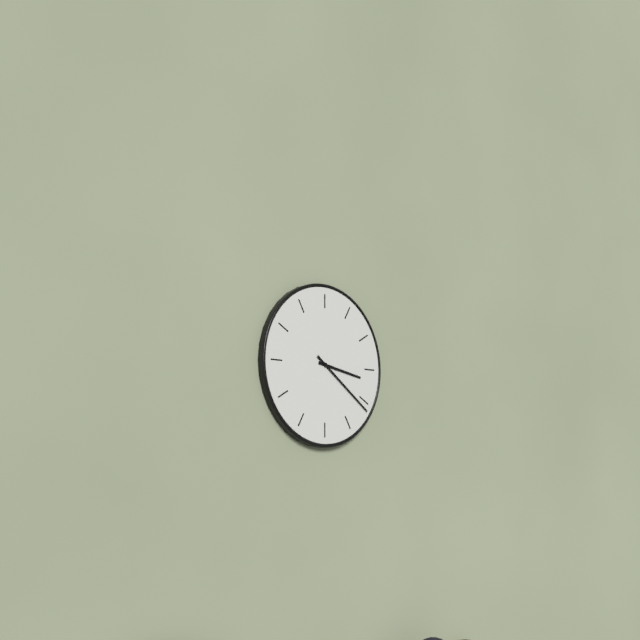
3:21
